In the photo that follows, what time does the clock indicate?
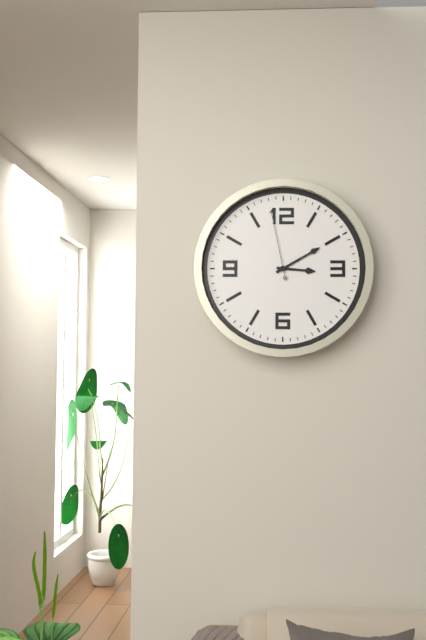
3:10:58
